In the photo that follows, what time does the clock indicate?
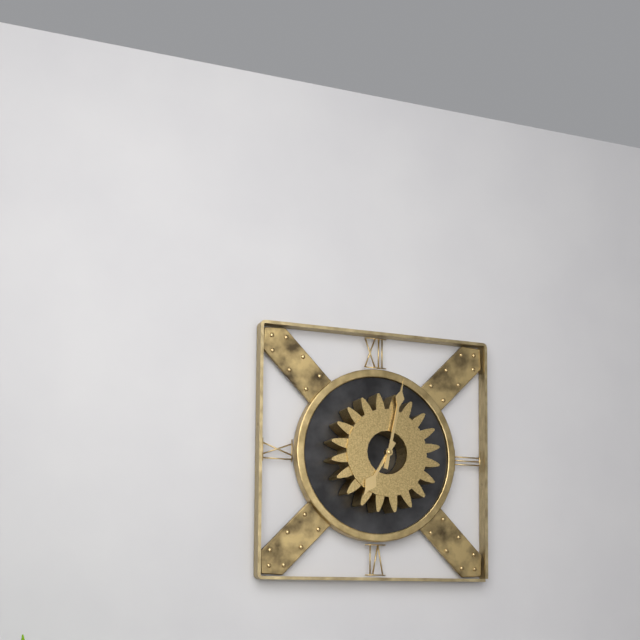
7:02
